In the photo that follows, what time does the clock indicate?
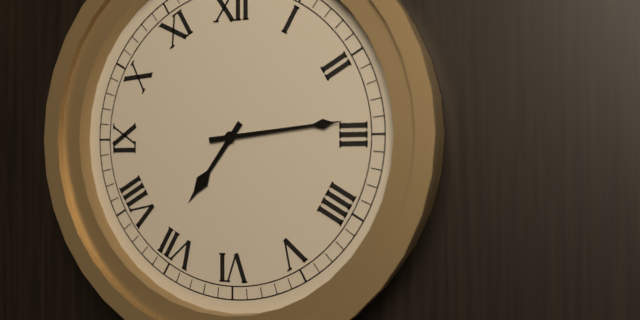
7:14
